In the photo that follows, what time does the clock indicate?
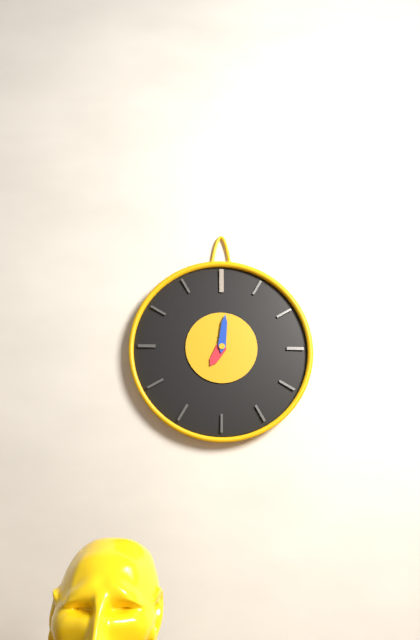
7:01
